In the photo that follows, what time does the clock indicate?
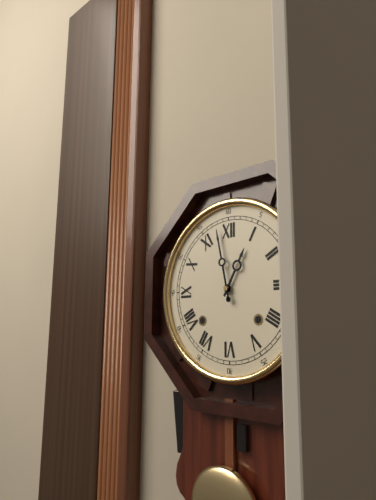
12:58
